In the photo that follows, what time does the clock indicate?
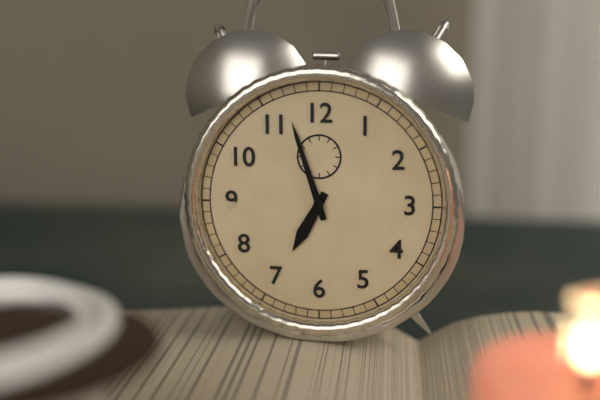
6:57
